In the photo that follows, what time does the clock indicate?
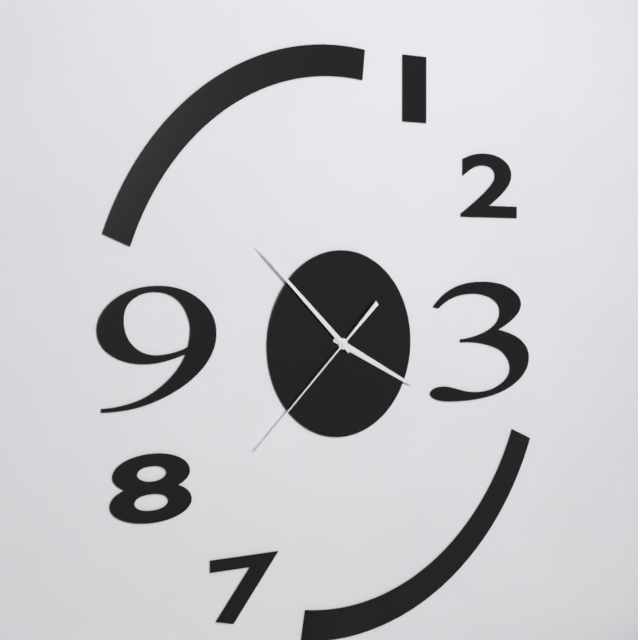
3:52:38
